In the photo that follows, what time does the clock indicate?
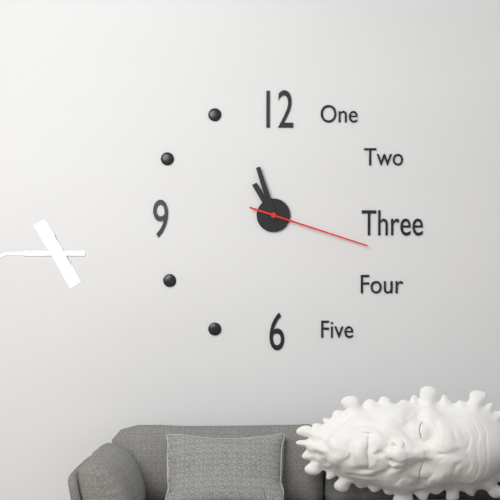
10:57:18
